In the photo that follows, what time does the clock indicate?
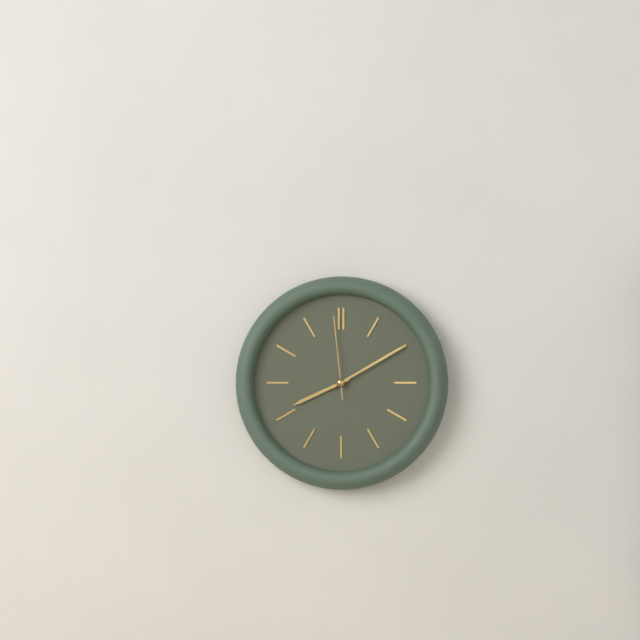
8:10:59
